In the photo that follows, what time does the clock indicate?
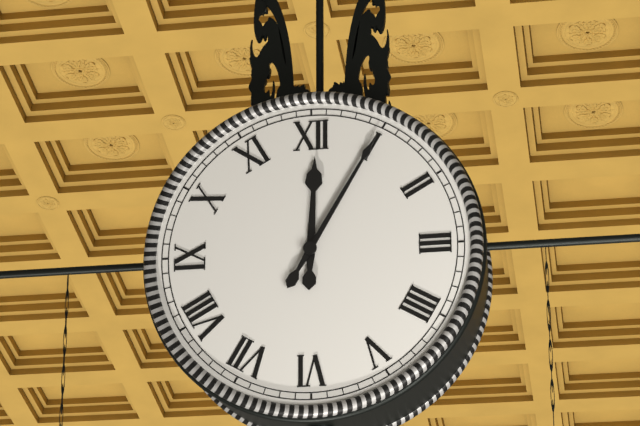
12:05
